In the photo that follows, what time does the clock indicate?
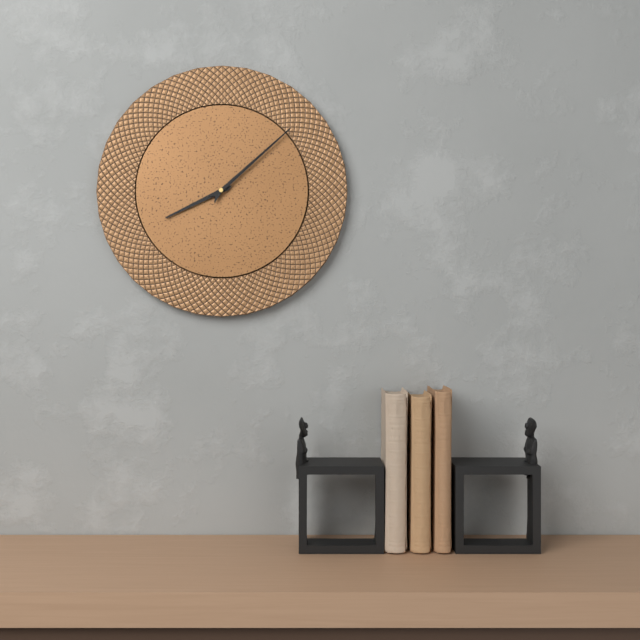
8:08
